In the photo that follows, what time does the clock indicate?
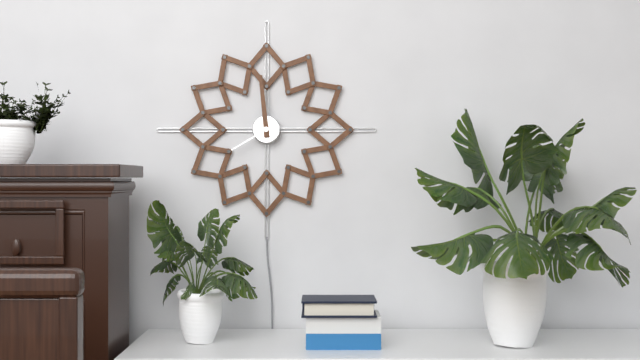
7:59
